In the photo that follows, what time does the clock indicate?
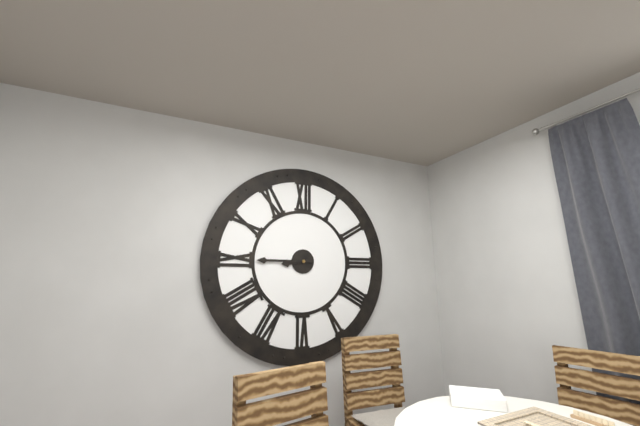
8:45
